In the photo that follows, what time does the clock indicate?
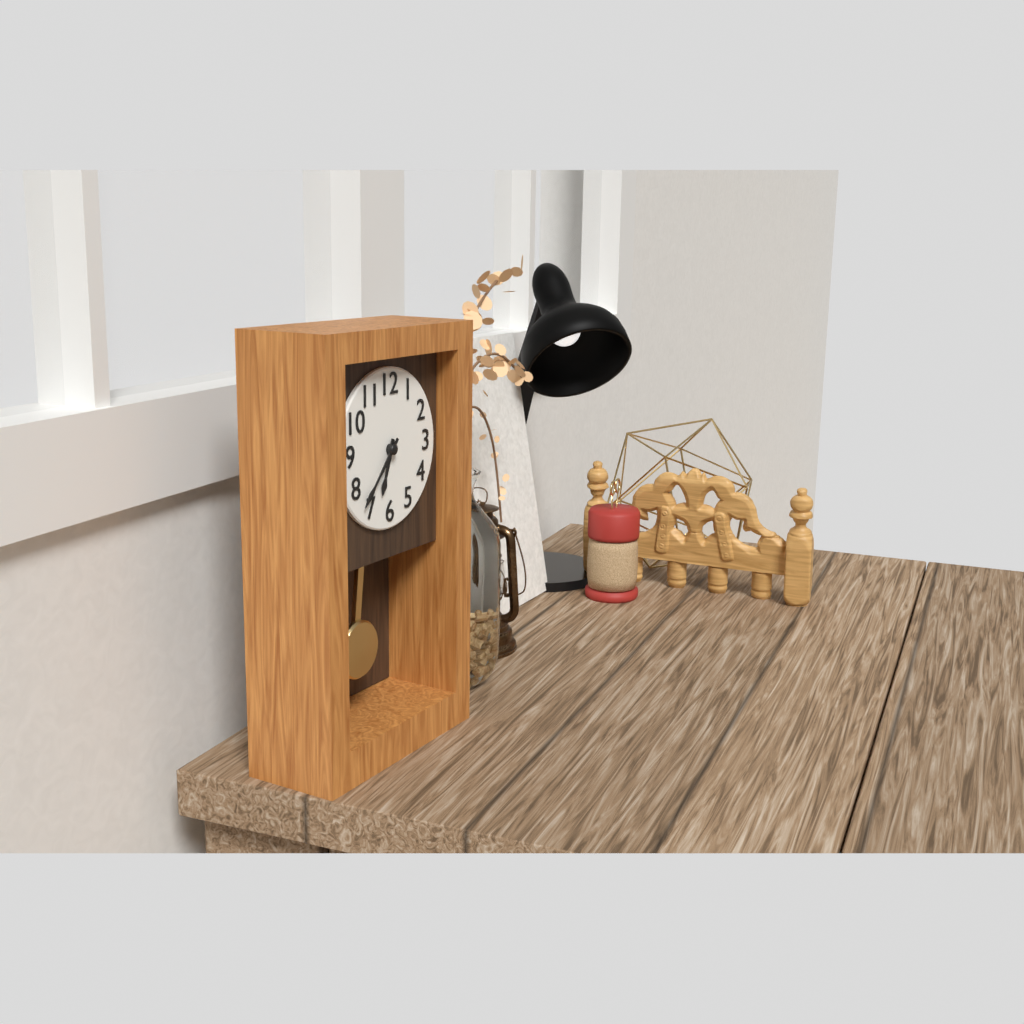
6:37
